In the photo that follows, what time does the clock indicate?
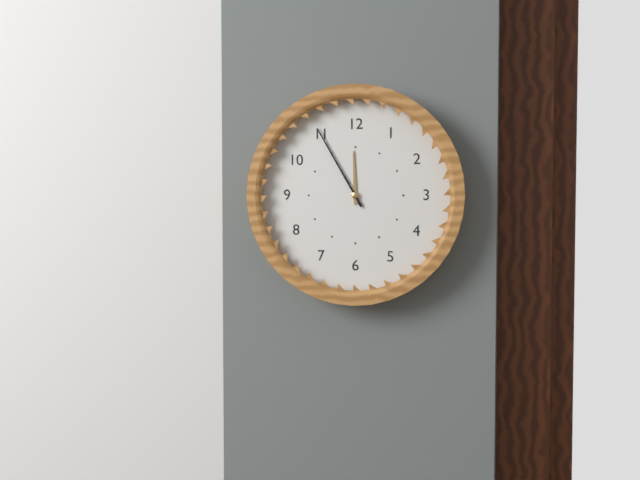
11:55
